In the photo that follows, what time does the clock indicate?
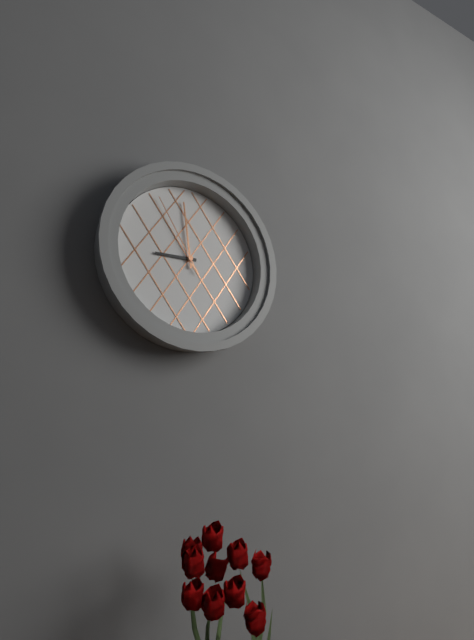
8:59:55
